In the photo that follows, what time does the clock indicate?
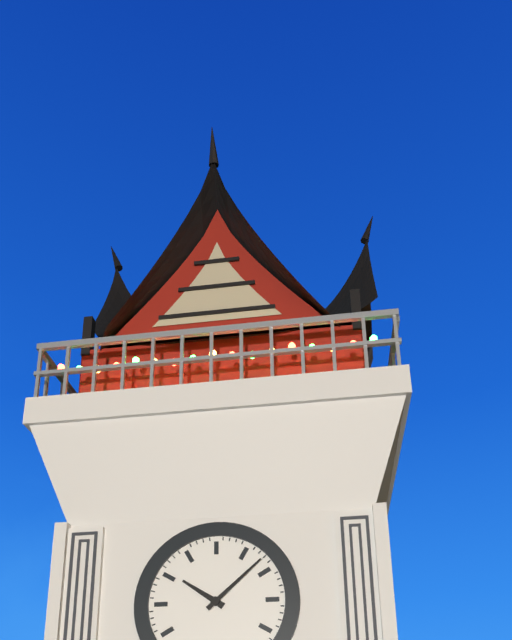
10:08
